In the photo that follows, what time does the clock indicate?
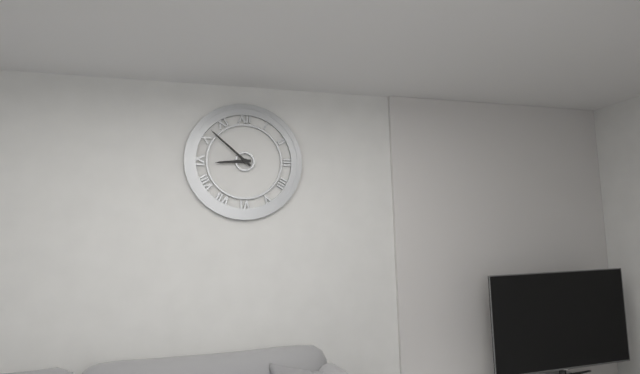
8:52
